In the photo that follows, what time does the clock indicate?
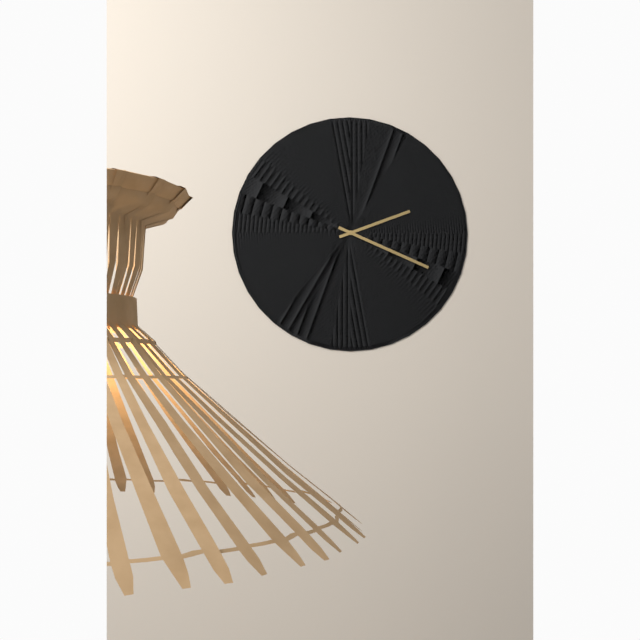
2:19
